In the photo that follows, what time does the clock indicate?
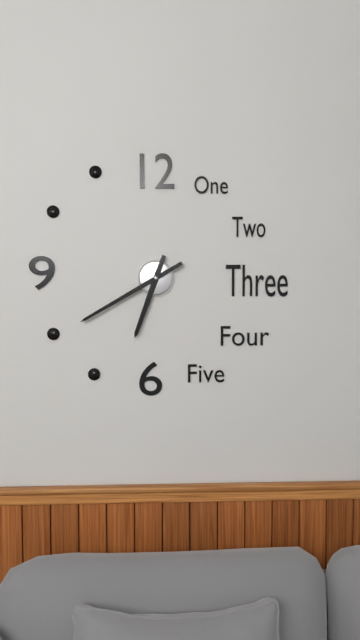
6:40
